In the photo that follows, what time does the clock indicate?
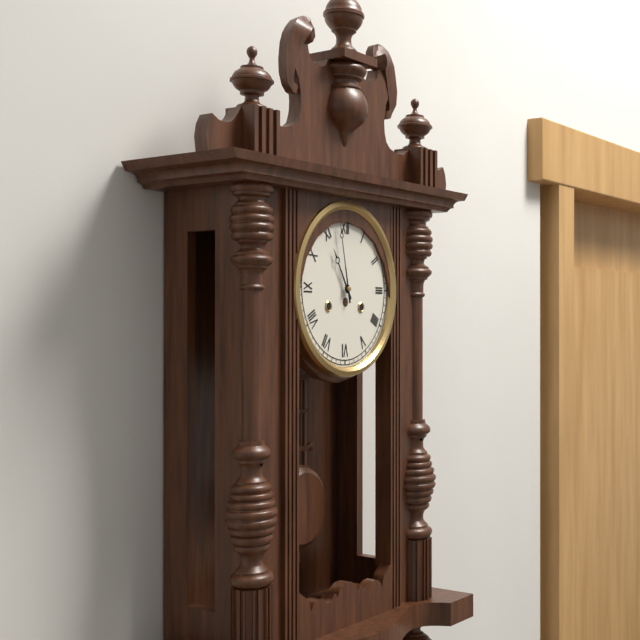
10:58
